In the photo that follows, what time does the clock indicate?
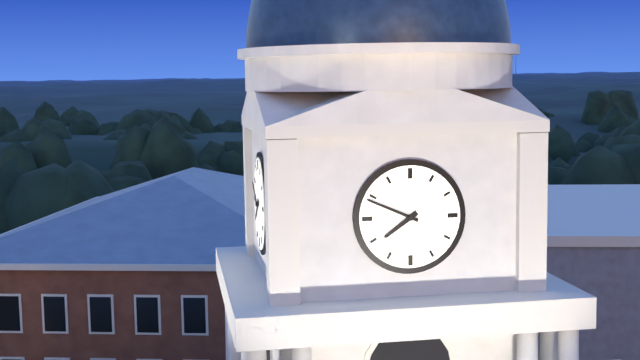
7:49
